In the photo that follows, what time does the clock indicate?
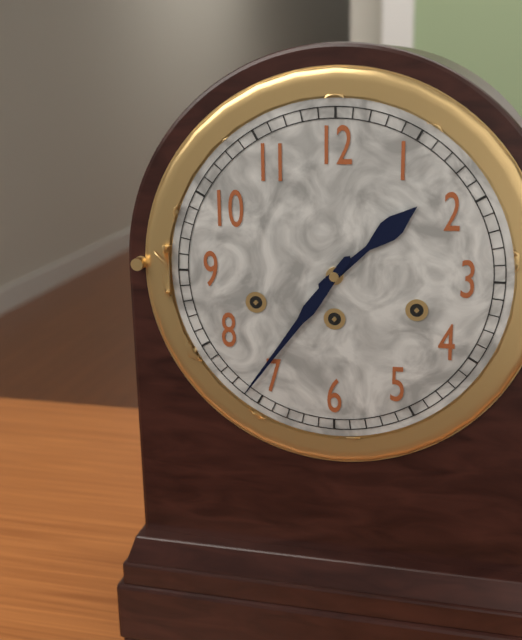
1:36
